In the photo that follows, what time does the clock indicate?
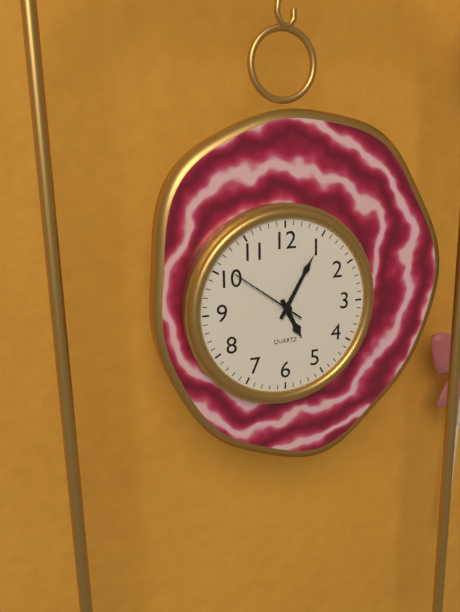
5:05:51
